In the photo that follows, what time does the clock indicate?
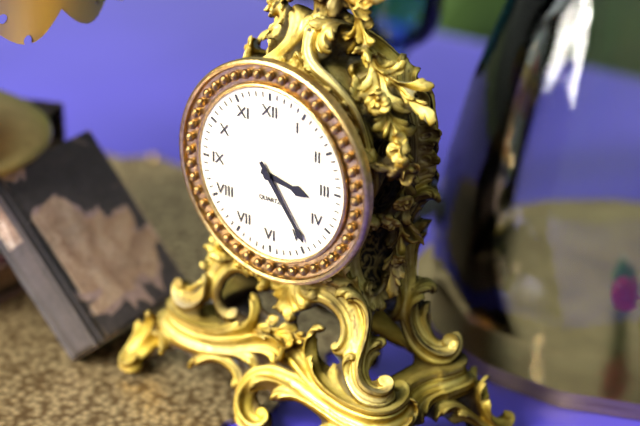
3:24
